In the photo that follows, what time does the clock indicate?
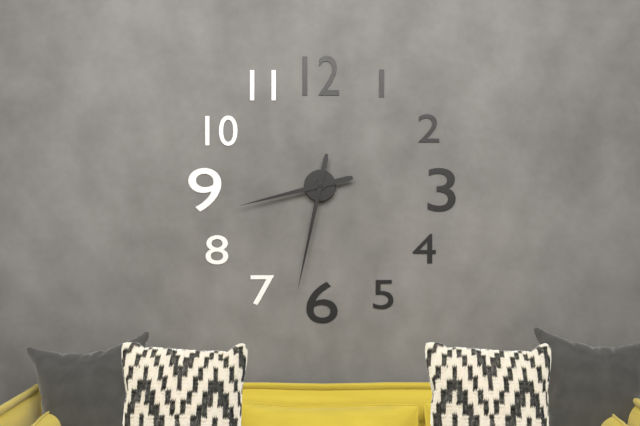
8:32
